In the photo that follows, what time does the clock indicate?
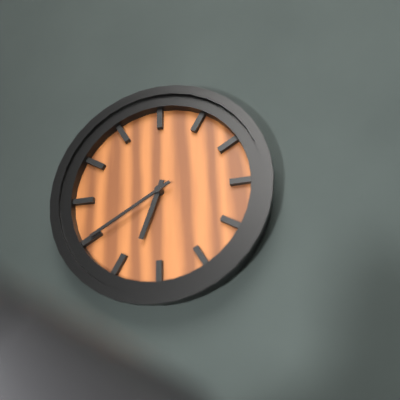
6:40
